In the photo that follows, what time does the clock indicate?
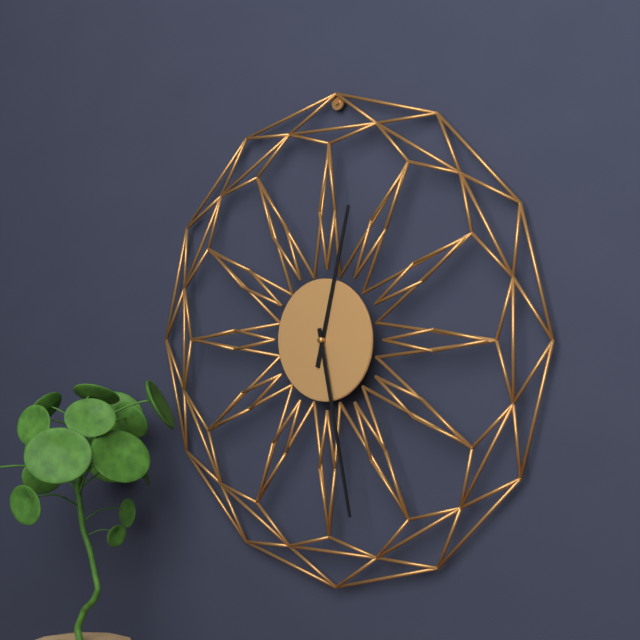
12:28
